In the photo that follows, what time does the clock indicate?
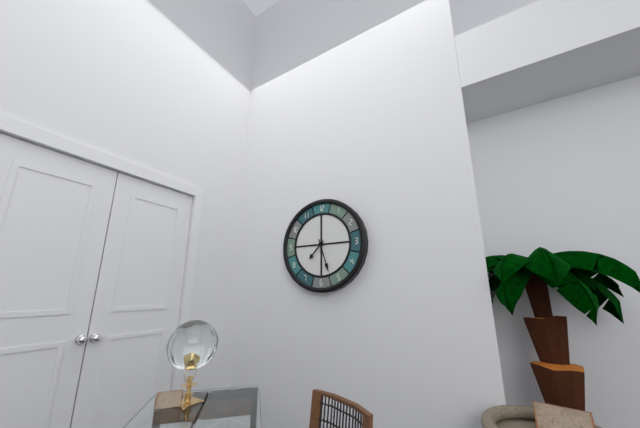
7:27
